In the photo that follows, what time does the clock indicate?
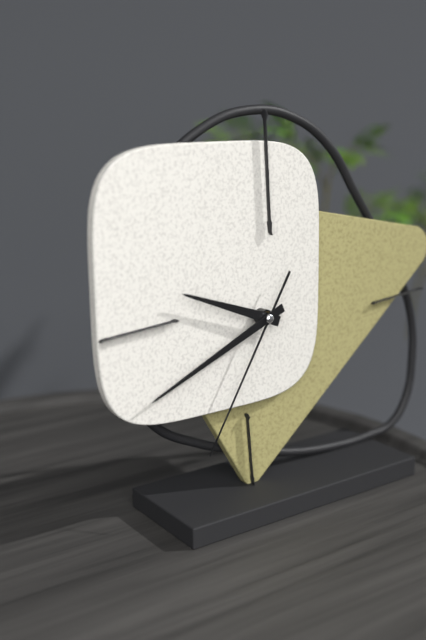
9:41:35
